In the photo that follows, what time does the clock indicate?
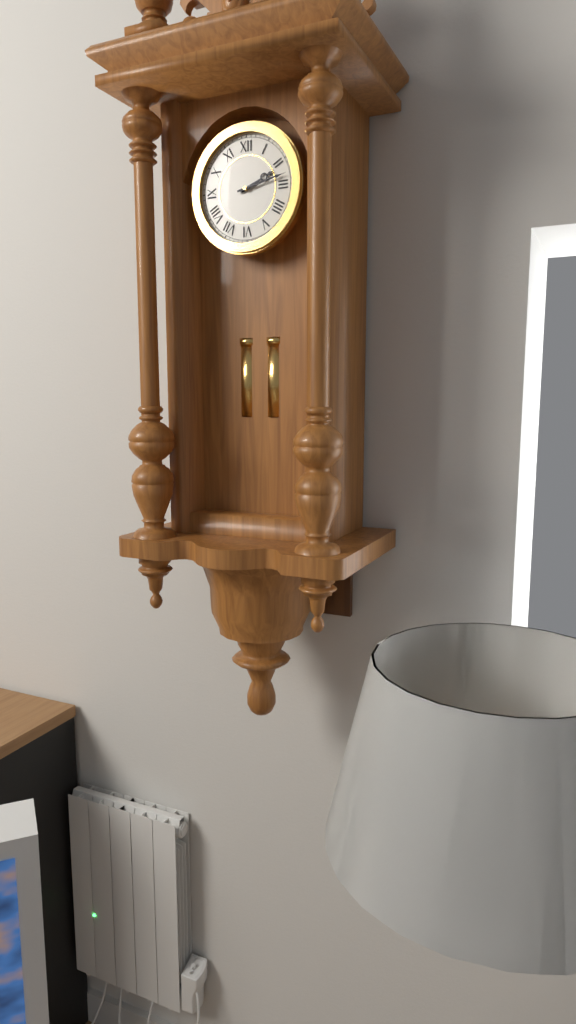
2:13
